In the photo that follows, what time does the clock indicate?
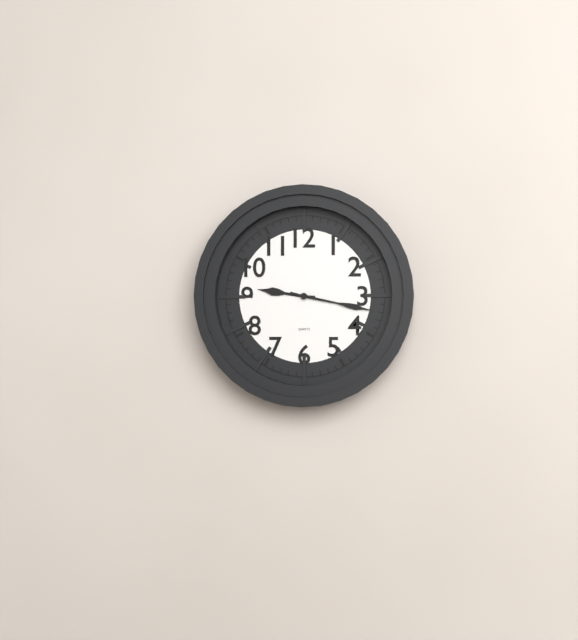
9:17
